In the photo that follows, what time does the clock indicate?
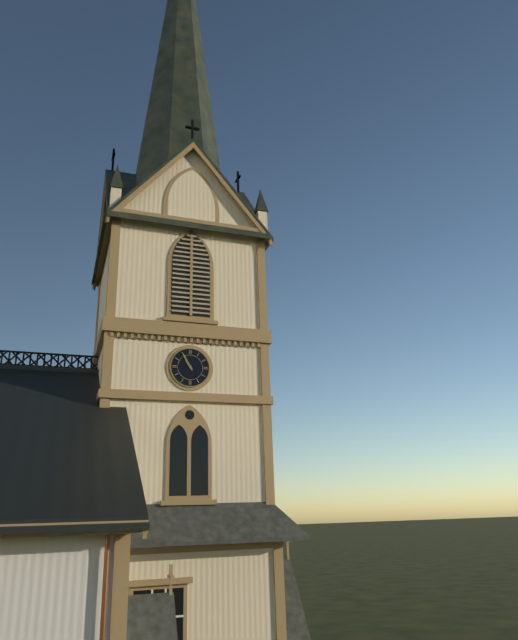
10:55
